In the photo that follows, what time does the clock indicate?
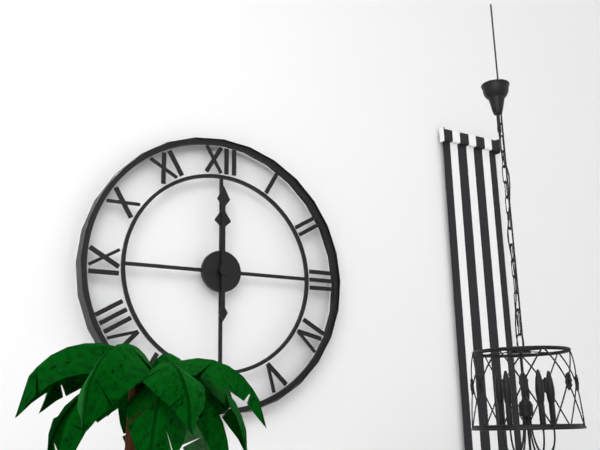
12:00
